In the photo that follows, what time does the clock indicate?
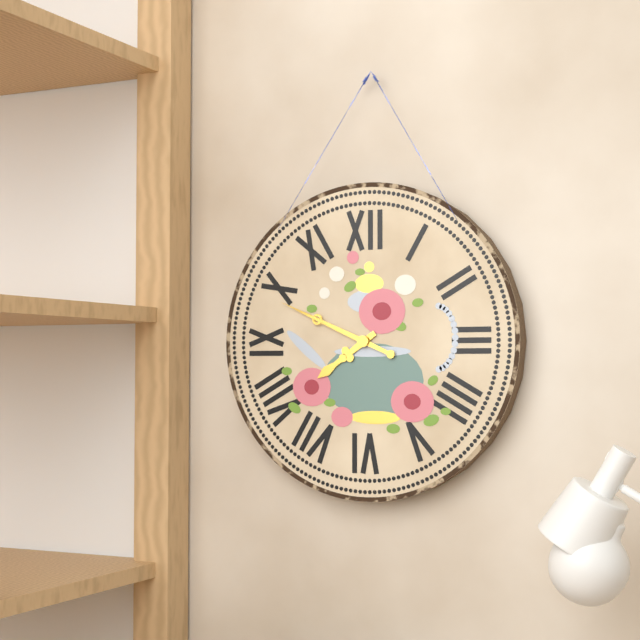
7:49
